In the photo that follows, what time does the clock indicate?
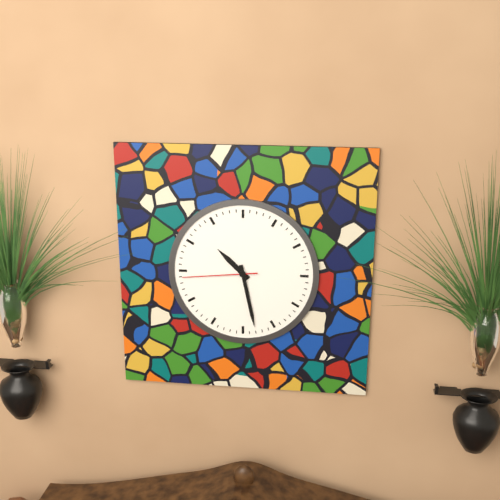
10:28:44
